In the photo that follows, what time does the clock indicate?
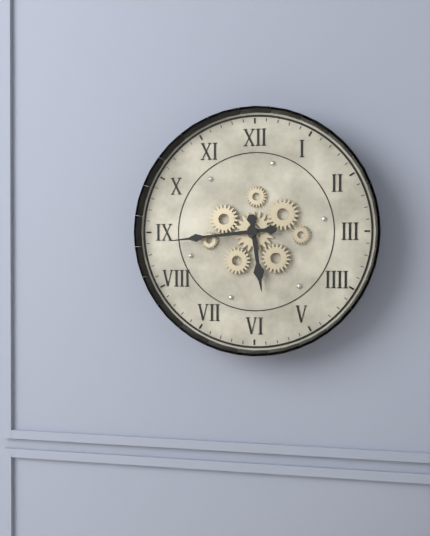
5:44
